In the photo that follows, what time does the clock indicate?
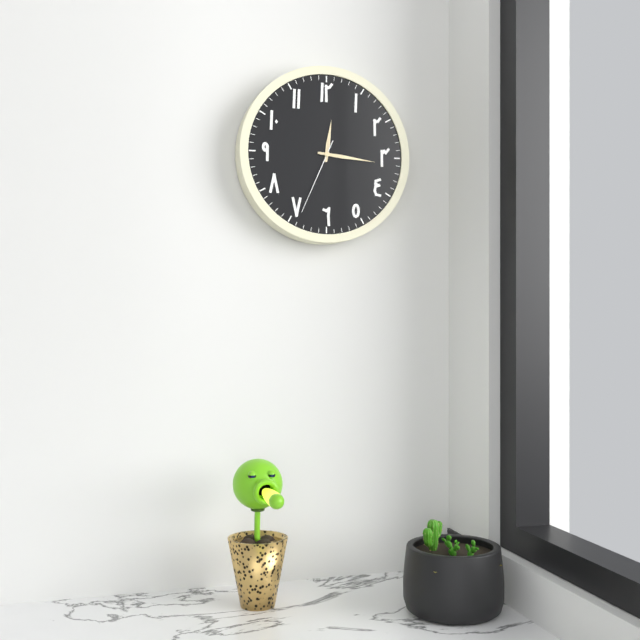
12:16:34
